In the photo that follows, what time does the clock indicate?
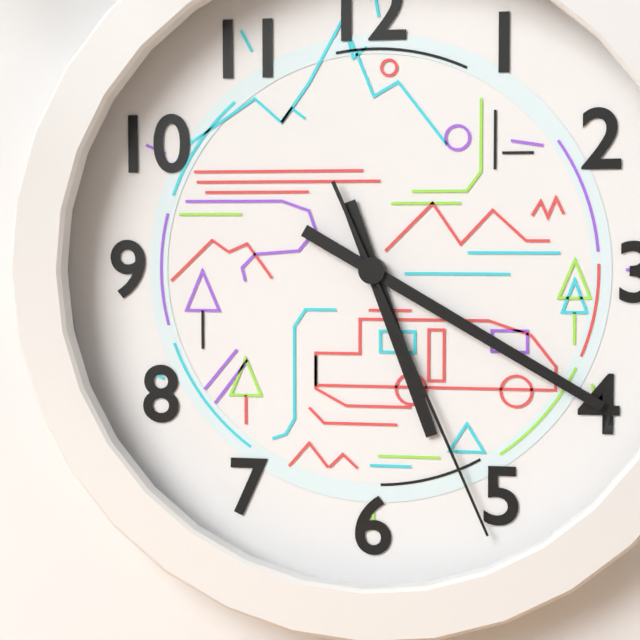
5:20:26
